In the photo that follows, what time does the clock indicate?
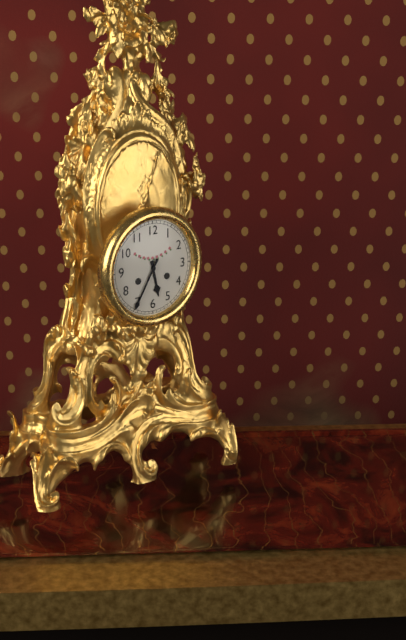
5:35
